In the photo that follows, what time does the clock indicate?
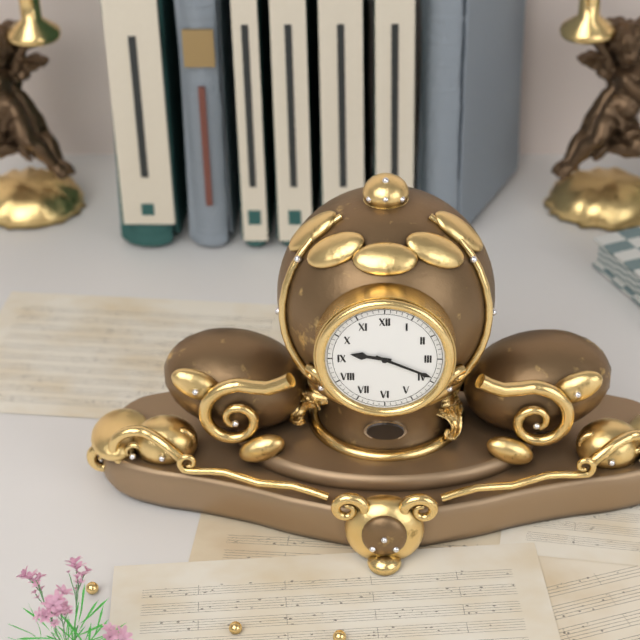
9:19
